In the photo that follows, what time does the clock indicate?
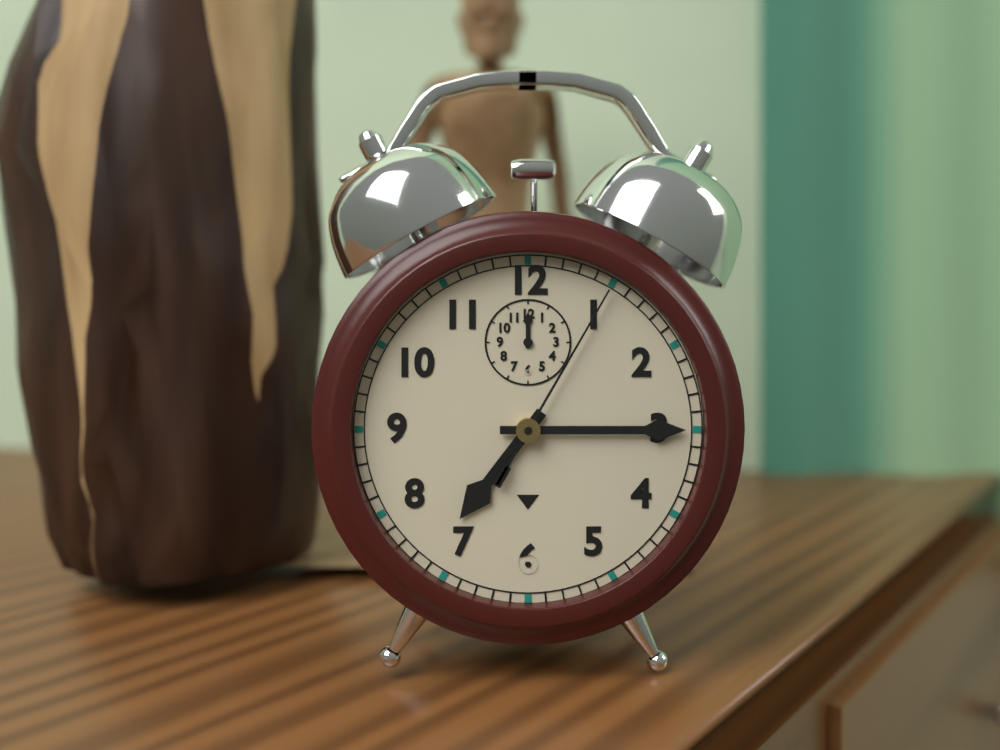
7:15:05
